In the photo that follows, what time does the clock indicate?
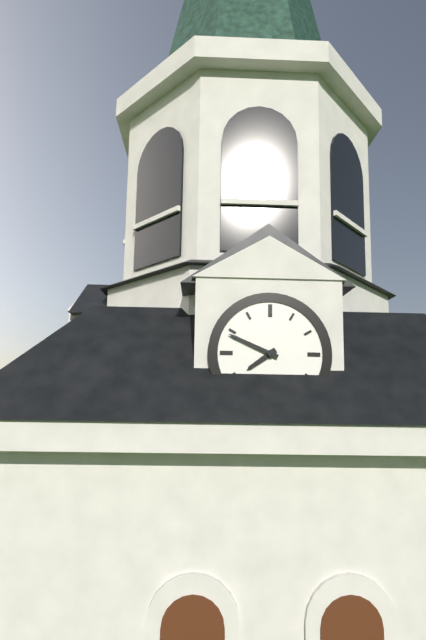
7:49
